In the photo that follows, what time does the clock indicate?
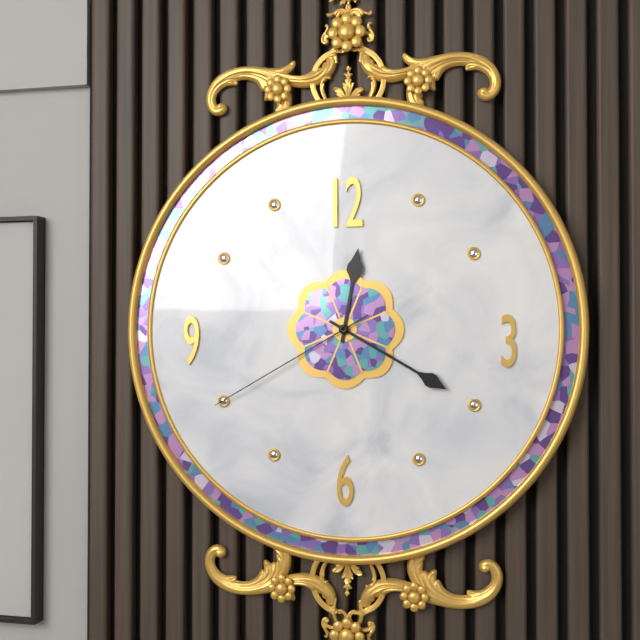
12:20:40
